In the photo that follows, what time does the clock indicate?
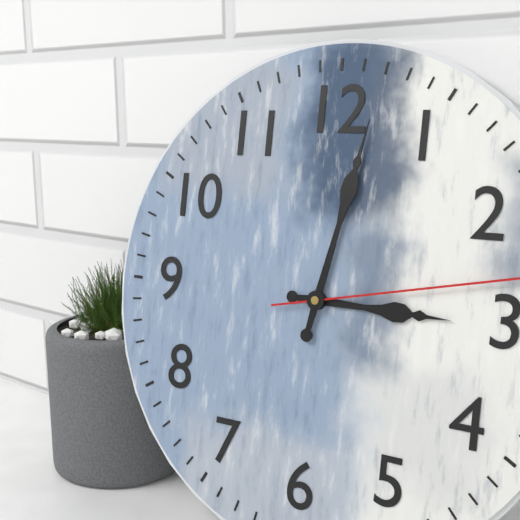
3:02
